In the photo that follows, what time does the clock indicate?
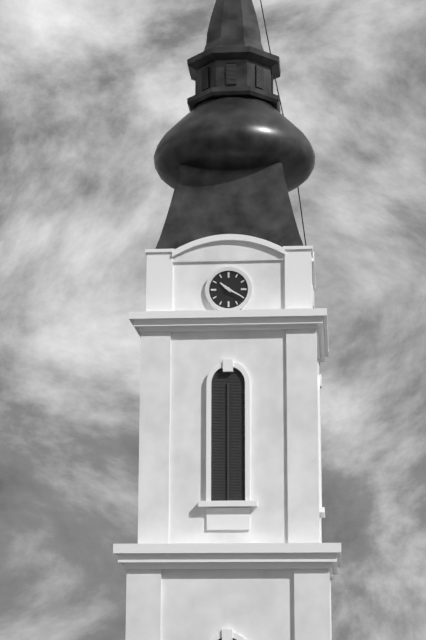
10:20
